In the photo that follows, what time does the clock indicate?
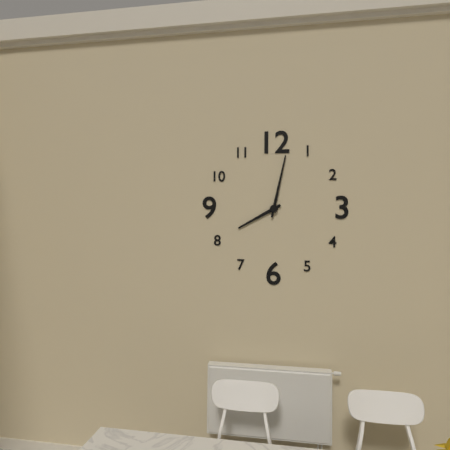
8:02
